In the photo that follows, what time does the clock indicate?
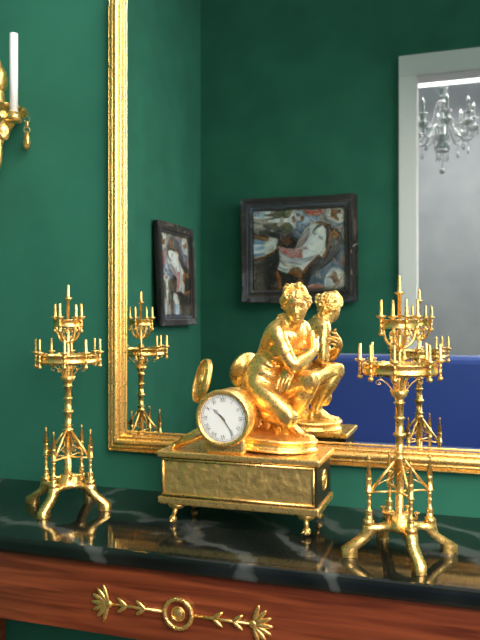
10:24
